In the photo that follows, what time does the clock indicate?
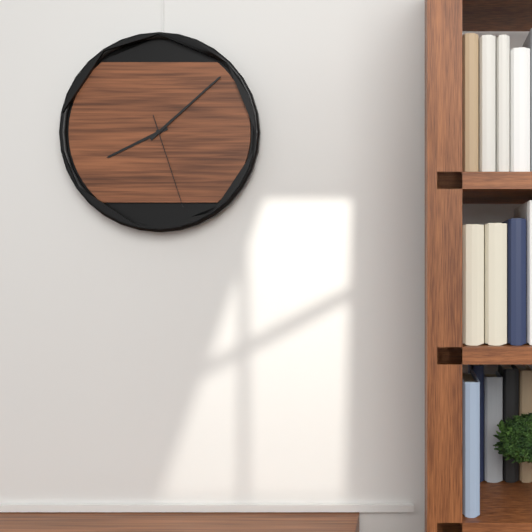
8:08:27
